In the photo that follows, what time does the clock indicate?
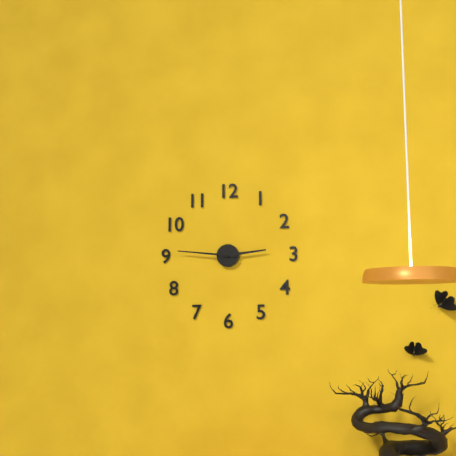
2:46
